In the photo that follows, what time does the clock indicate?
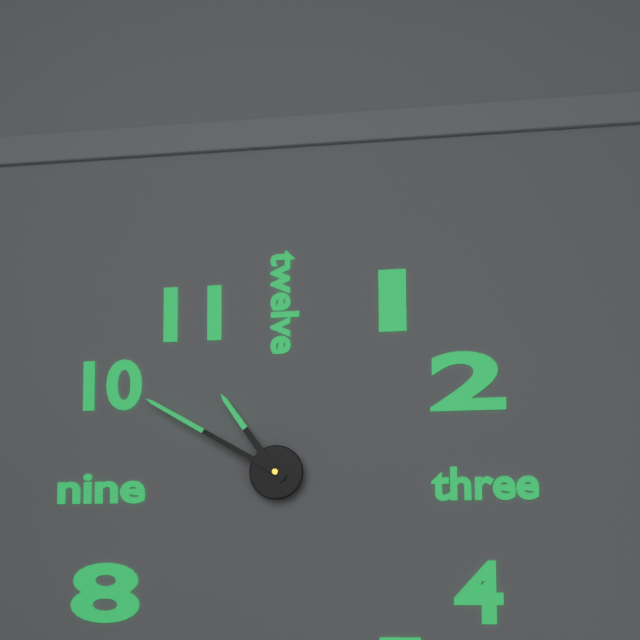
10:50
